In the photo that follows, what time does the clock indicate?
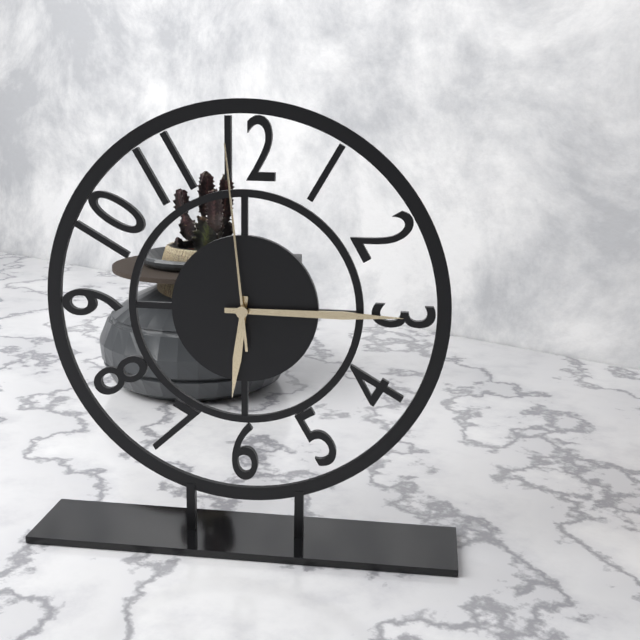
6:15:59
